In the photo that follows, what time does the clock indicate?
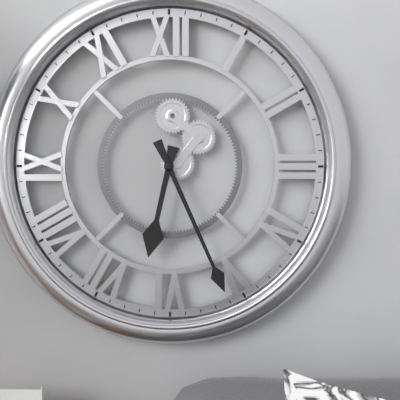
6:26
